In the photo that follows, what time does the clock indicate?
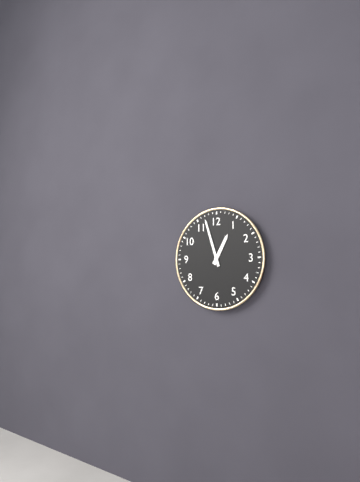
12:57
